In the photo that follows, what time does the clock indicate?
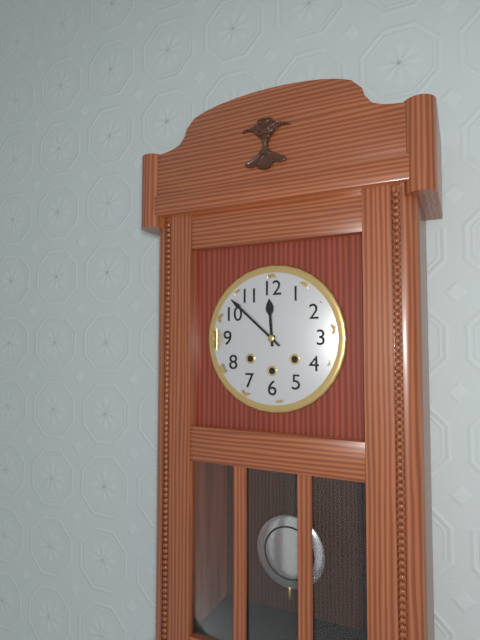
11:52
